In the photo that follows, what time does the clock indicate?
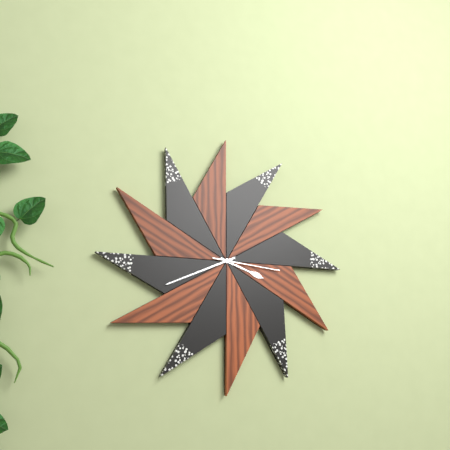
3:41:16
